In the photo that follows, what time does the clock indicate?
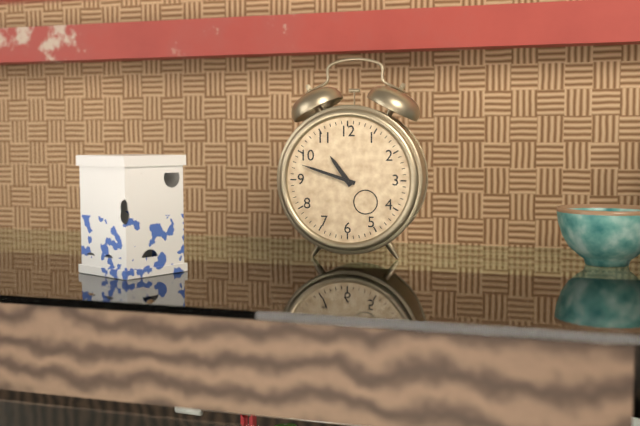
10:48
